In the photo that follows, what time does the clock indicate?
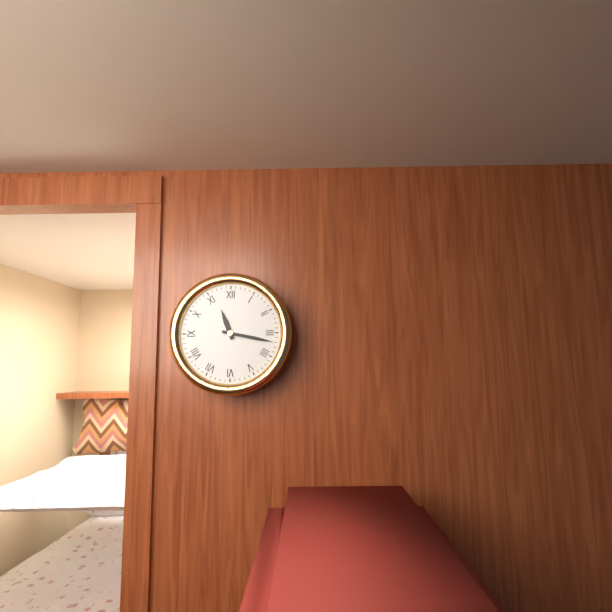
11:17
